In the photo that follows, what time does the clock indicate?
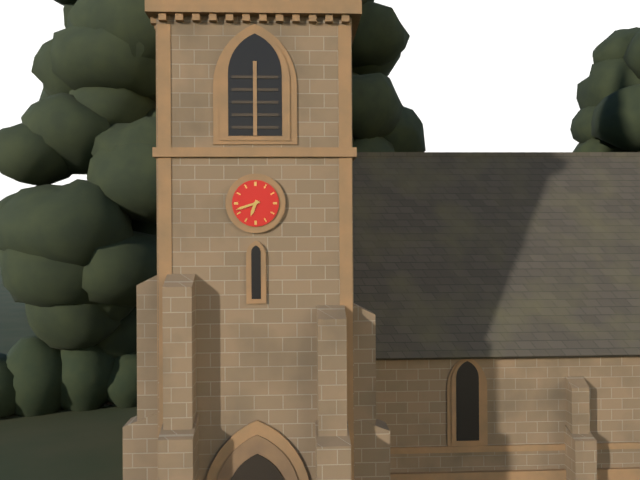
6:42
